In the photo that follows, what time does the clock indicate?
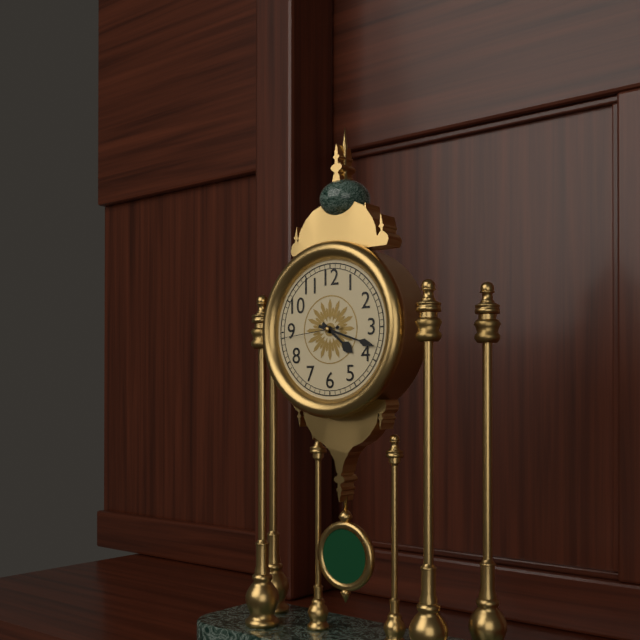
4:18:44
